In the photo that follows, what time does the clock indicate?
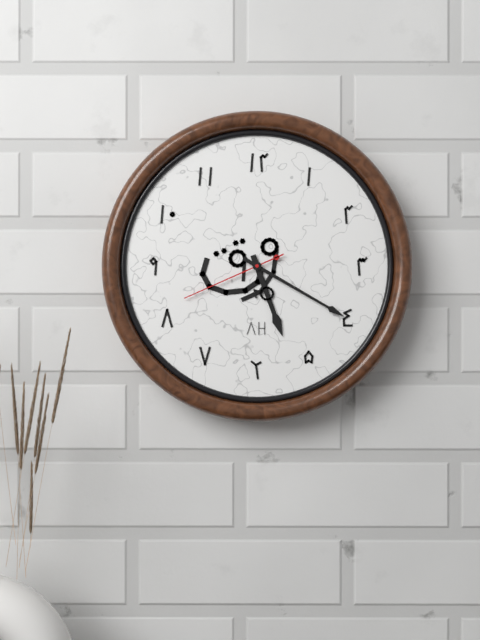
5:20:41
